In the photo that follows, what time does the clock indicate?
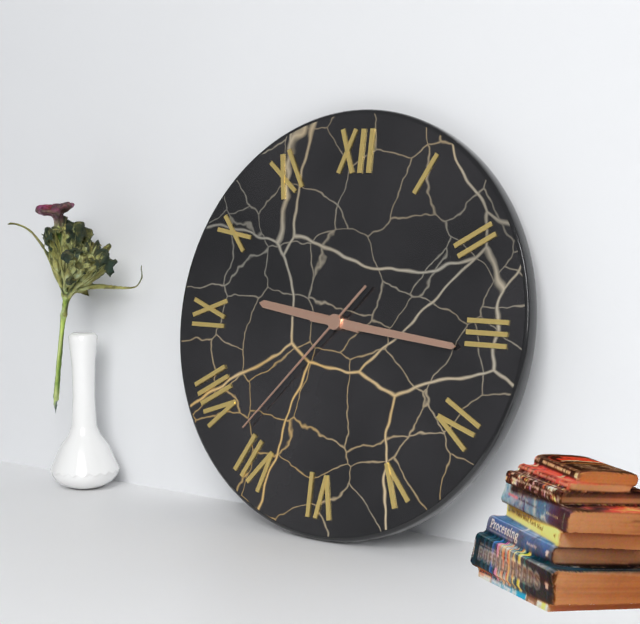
9:16:37
